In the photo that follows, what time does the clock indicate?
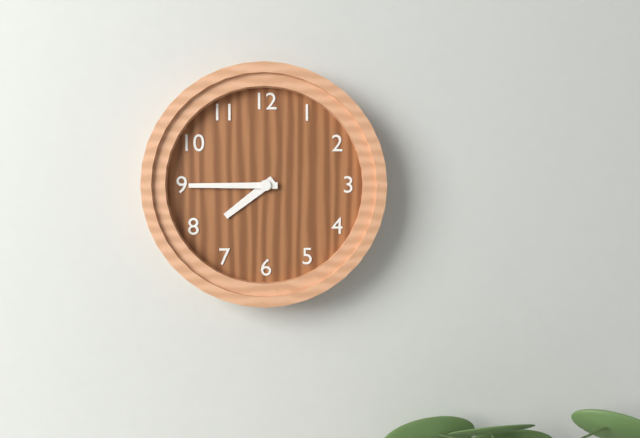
7:45
